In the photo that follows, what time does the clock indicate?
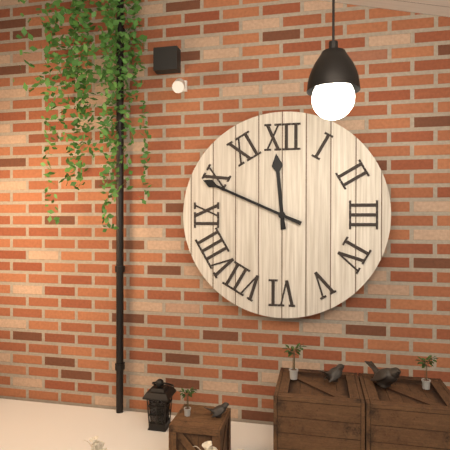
11:49
